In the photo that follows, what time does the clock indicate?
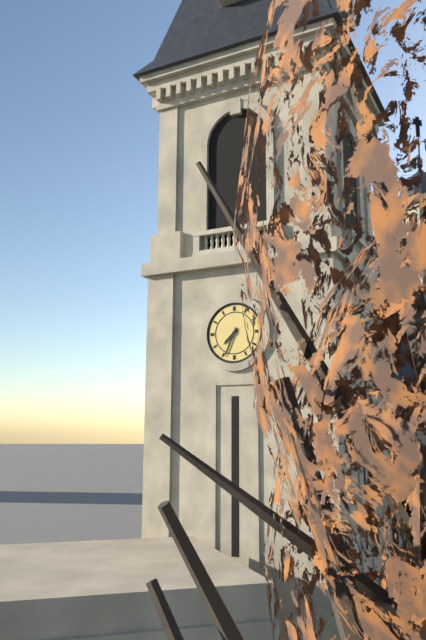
7:34
